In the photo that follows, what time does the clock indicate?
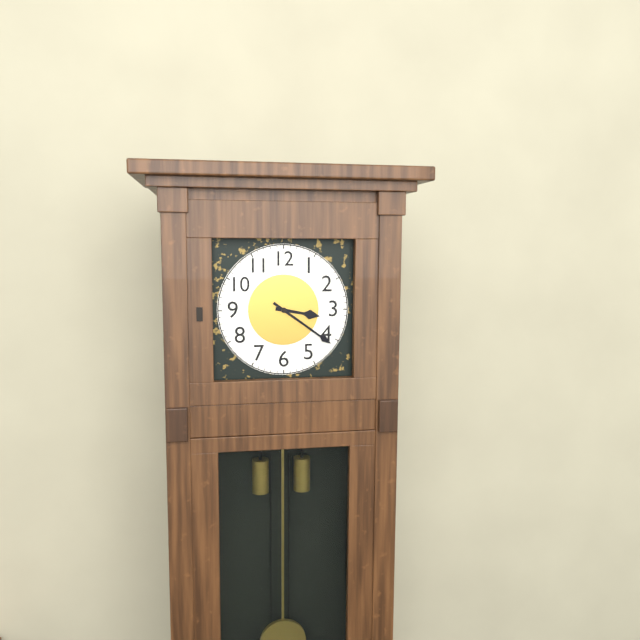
3:21
